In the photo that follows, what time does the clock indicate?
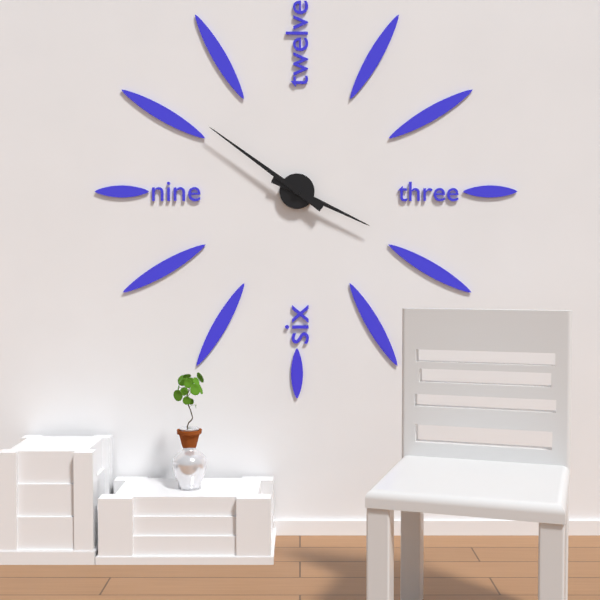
3:51
